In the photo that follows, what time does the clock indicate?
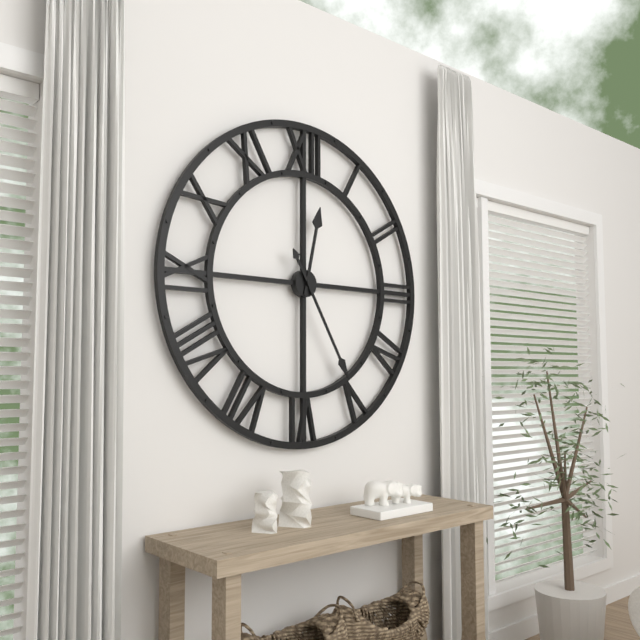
12:25
